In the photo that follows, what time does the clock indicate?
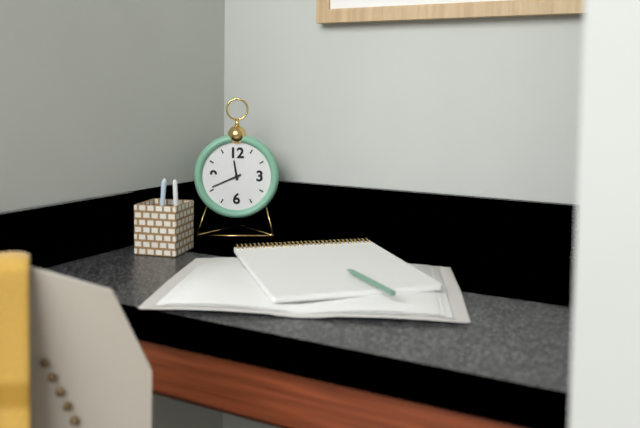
11:41
